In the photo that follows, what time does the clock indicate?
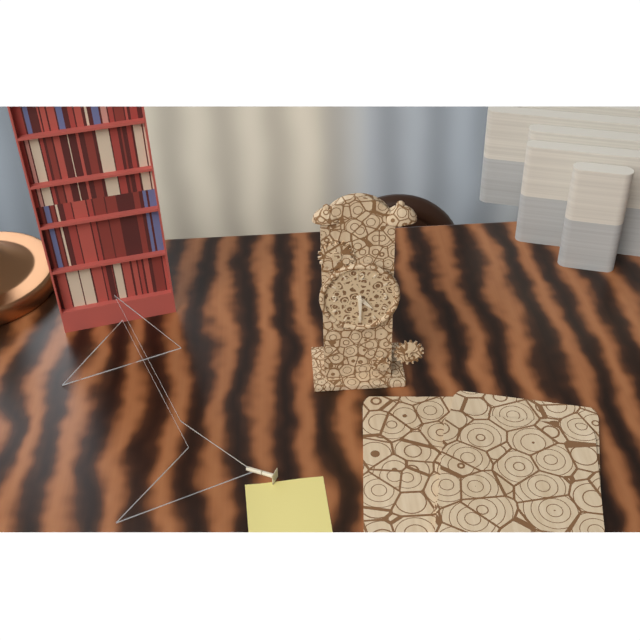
4:30
